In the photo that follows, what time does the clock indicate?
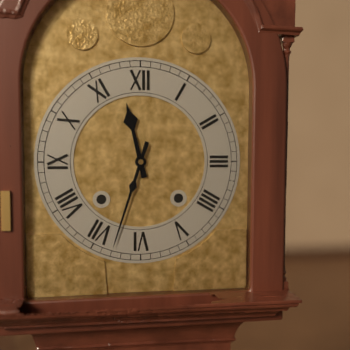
11:33
